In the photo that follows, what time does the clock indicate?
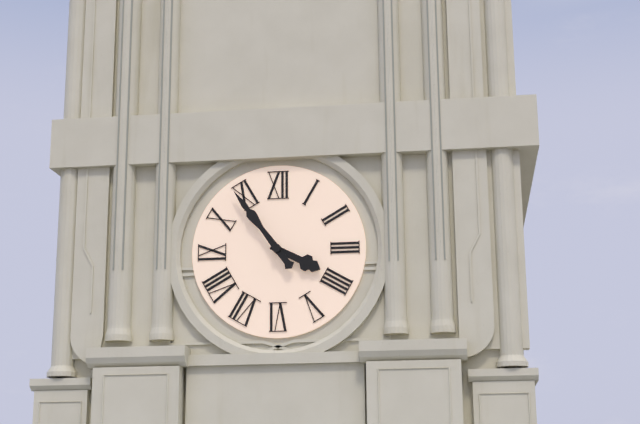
3:54
